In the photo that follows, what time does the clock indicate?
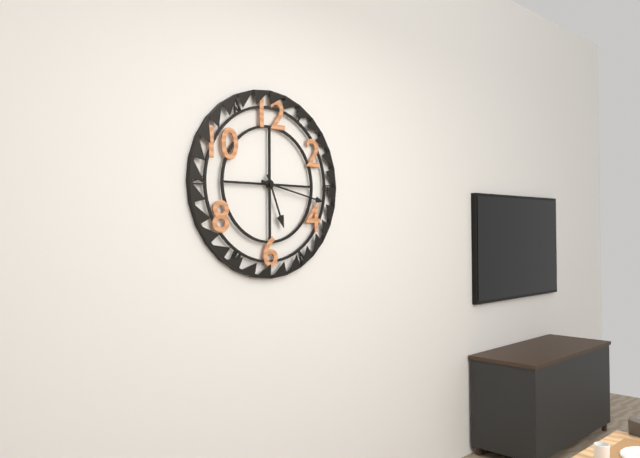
5:17
